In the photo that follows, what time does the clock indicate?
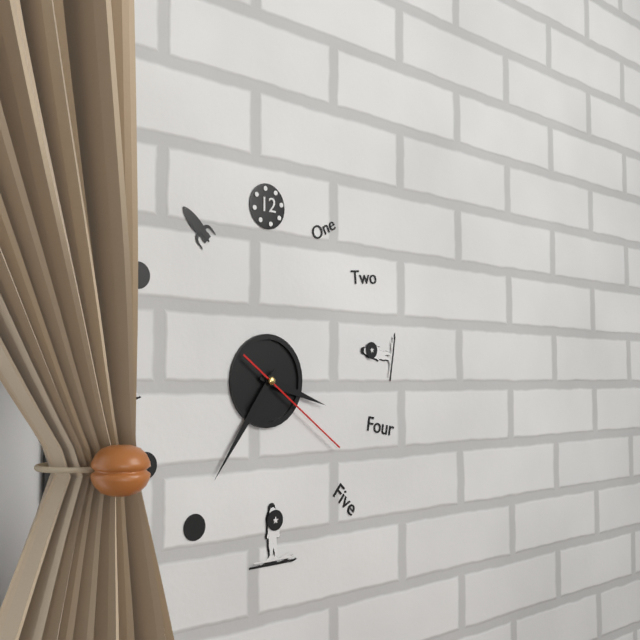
3:36:21
